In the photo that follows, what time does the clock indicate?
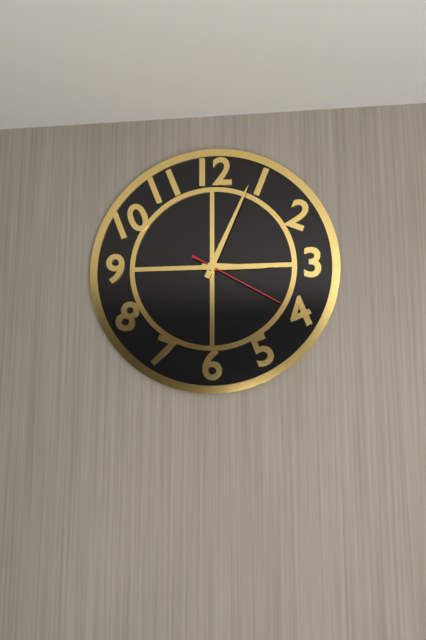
3:04:20
